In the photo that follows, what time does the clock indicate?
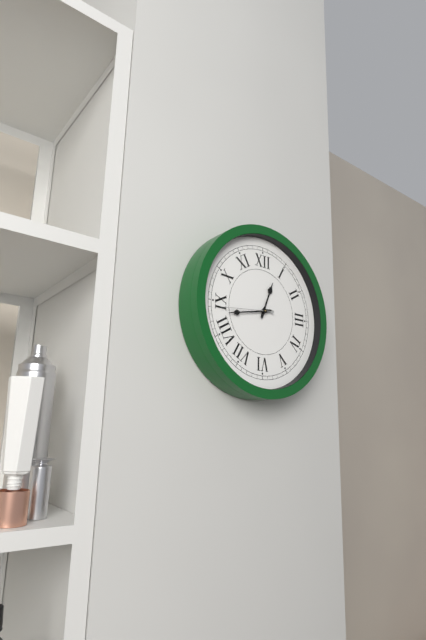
12:43:44
